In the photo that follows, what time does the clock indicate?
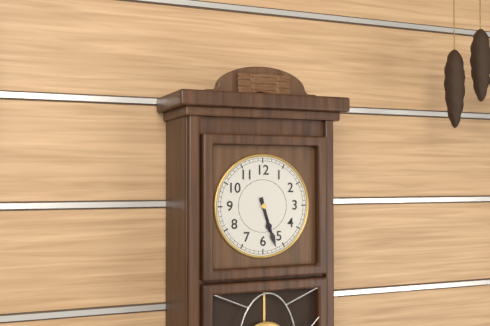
5:27
